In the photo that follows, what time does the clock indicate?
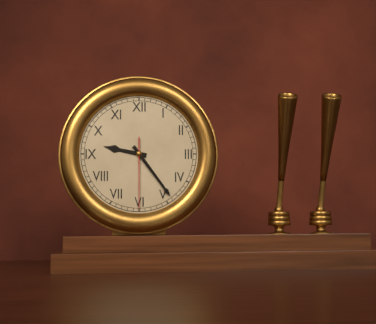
9:24:30
